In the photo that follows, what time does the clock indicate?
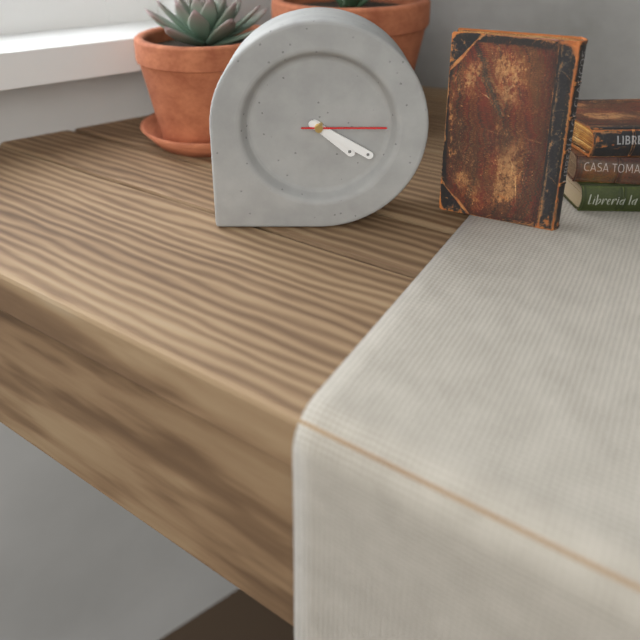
4:20:15
